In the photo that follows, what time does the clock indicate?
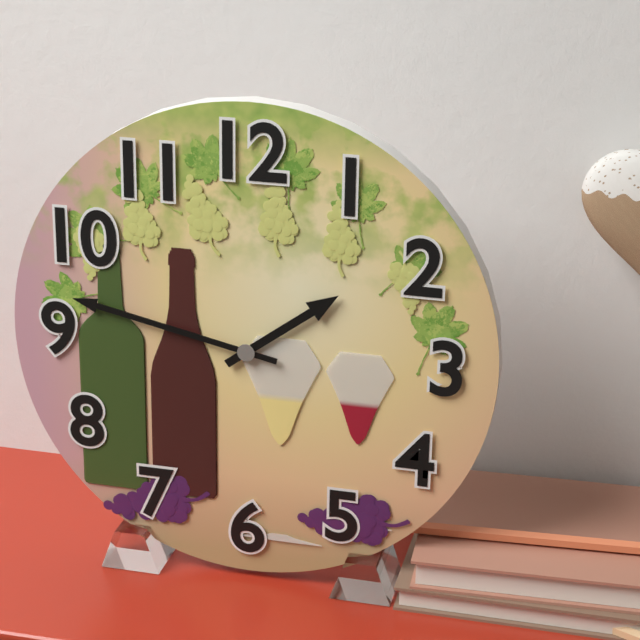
1:47
